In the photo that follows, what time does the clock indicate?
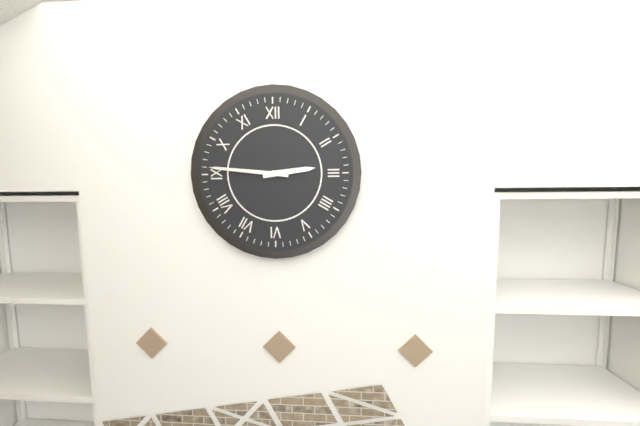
2:46
